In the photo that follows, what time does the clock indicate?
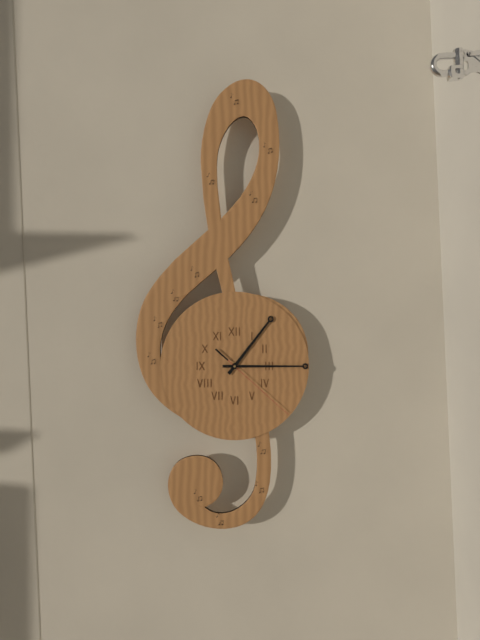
1:15:22
